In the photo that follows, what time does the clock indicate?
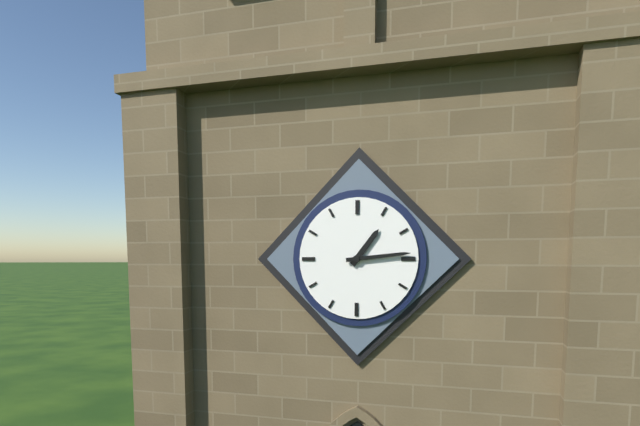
1:14
